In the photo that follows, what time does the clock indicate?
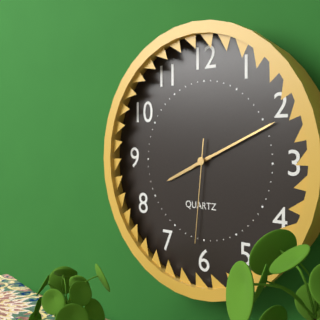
8:11:31
